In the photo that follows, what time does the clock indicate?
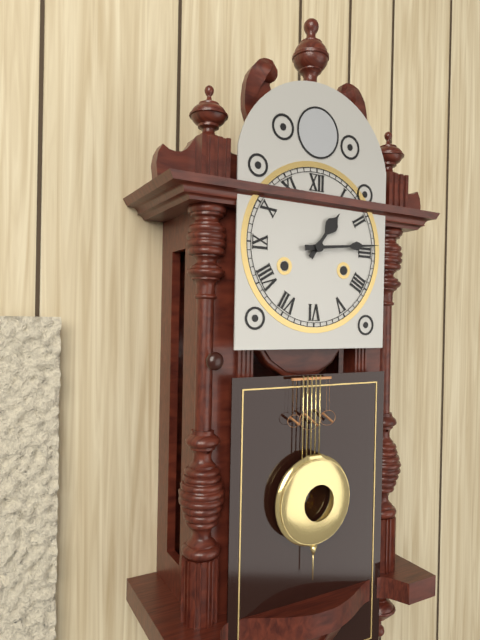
1:14
